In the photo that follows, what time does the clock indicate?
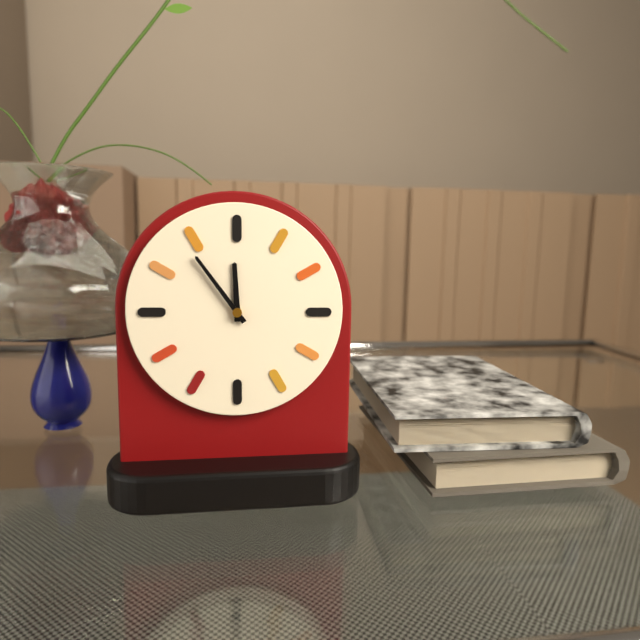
11:54
